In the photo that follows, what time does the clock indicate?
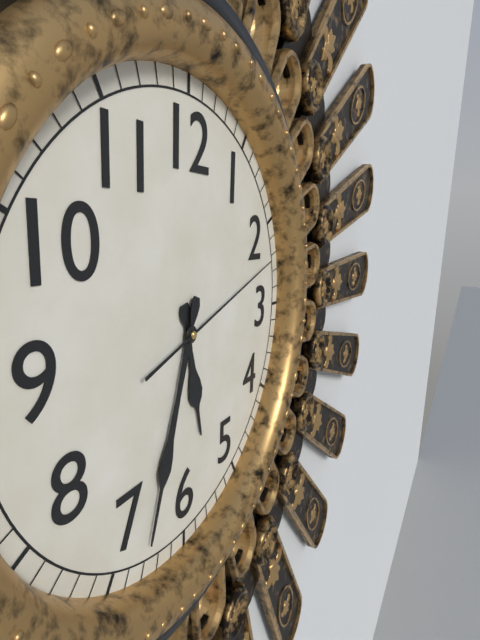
5:33:12
